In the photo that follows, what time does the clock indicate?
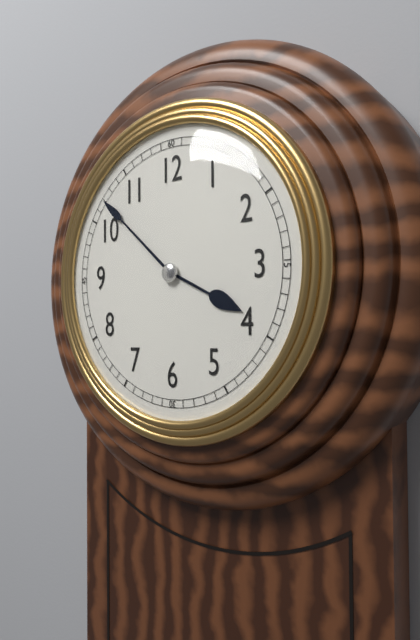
3:52
